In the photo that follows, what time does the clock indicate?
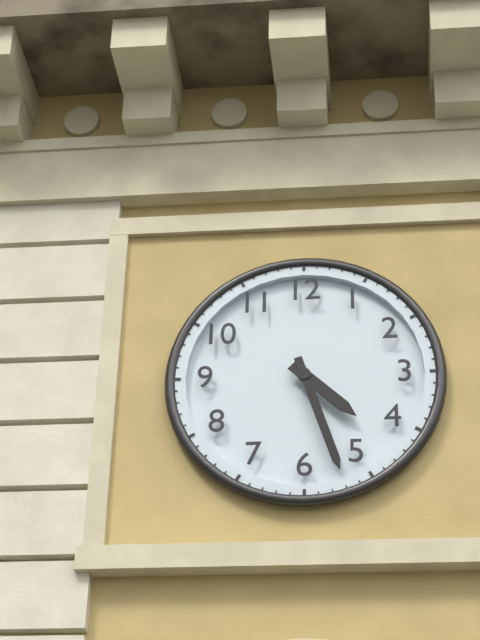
4:27
